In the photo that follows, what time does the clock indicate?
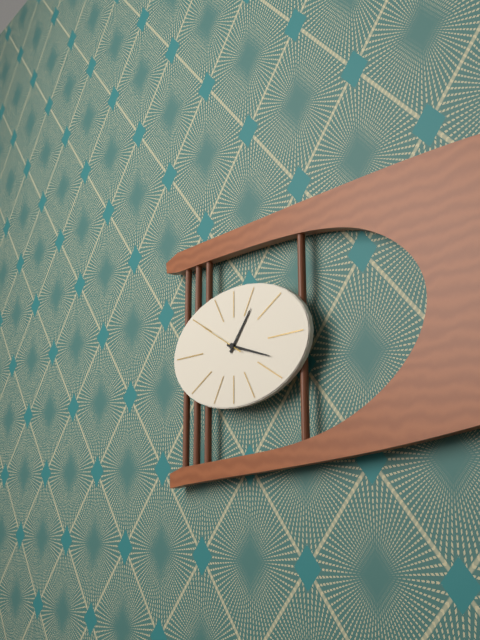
1:18
